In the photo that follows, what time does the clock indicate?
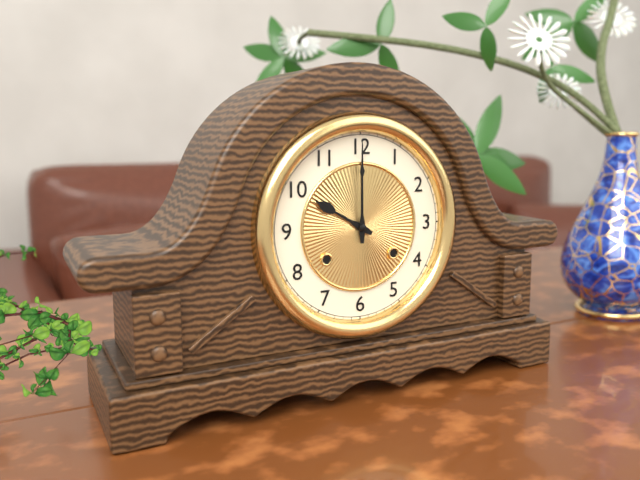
10:00
